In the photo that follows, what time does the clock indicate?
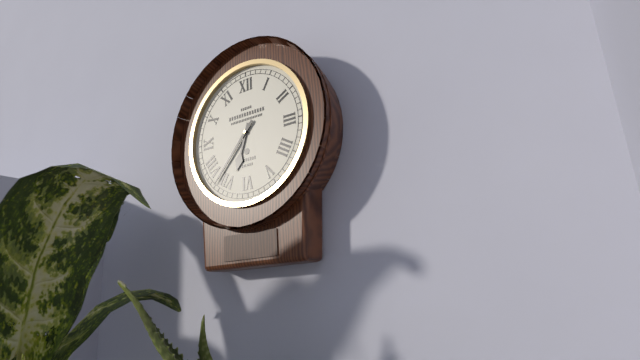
6:37
